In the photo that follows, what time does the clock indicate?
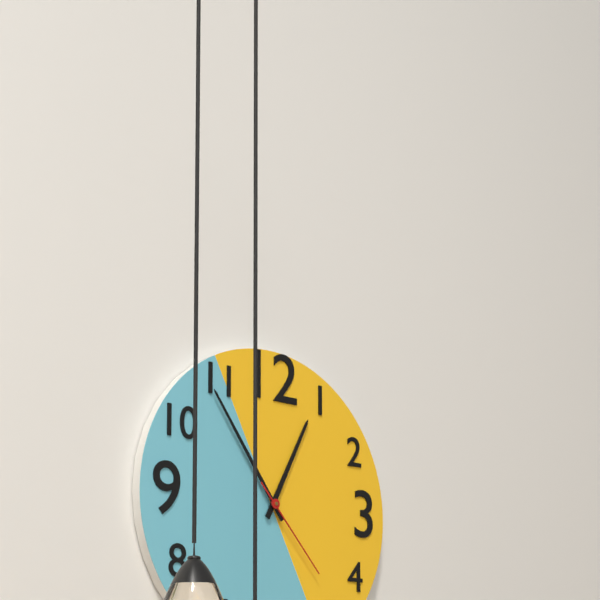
12:54:23
